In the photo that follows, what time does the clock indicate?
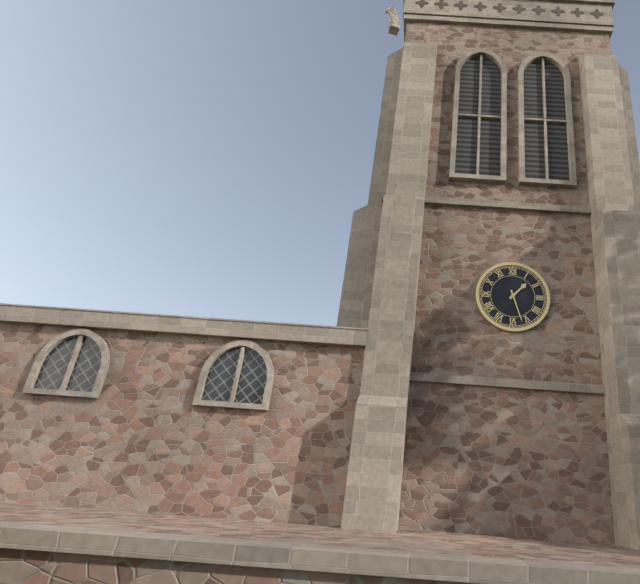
1:27
